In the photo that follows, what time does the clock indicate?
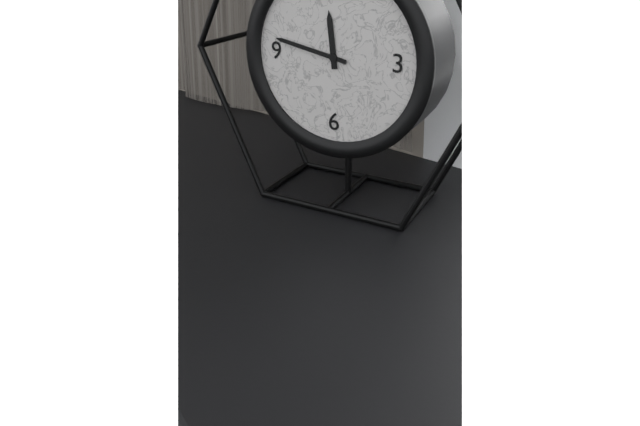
11:47
